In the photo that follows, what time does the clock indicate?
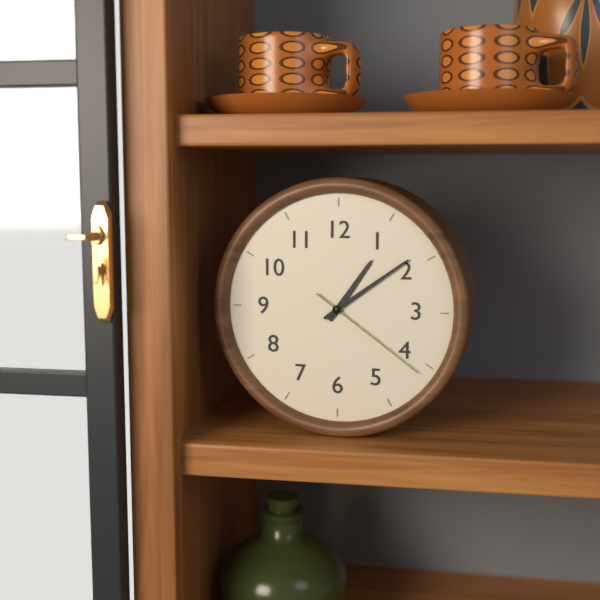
1:09:21
